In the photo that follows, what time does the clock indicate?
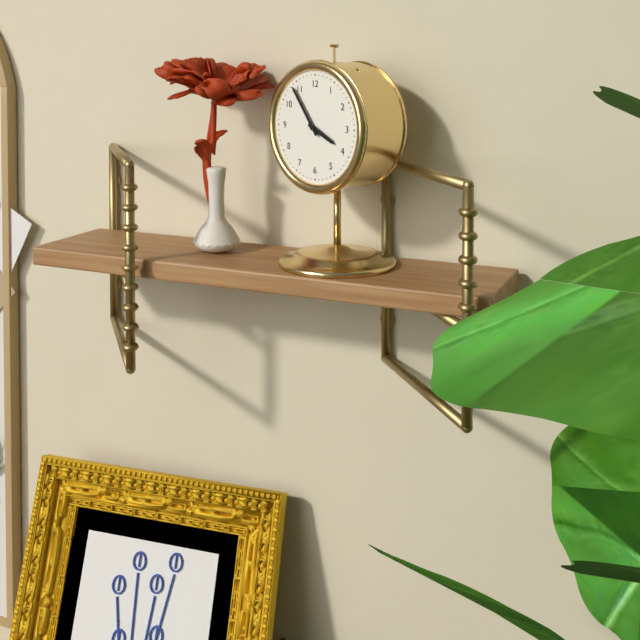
3:54
